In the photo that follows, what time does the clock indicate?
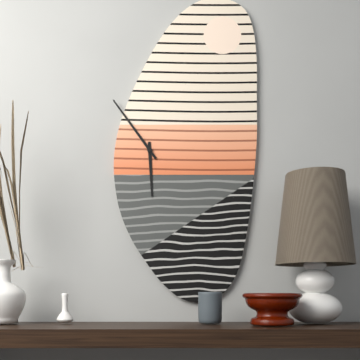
5:54
